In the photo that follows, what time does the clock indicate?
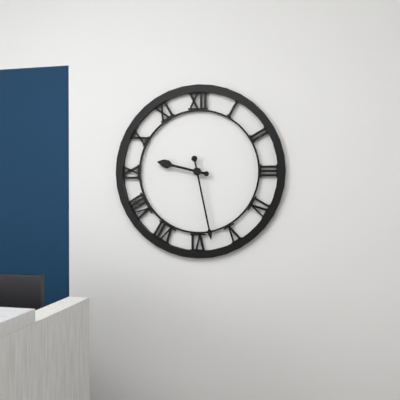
9:28
